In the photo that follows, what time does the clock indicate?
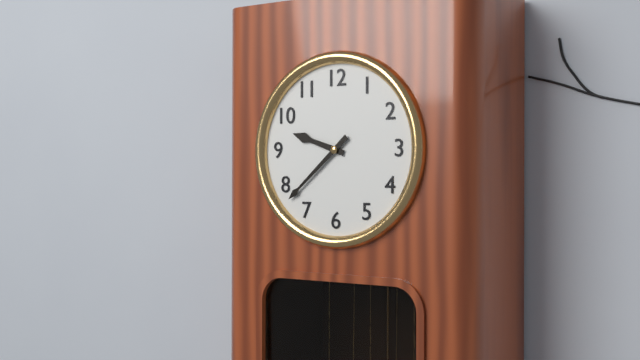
9:38
